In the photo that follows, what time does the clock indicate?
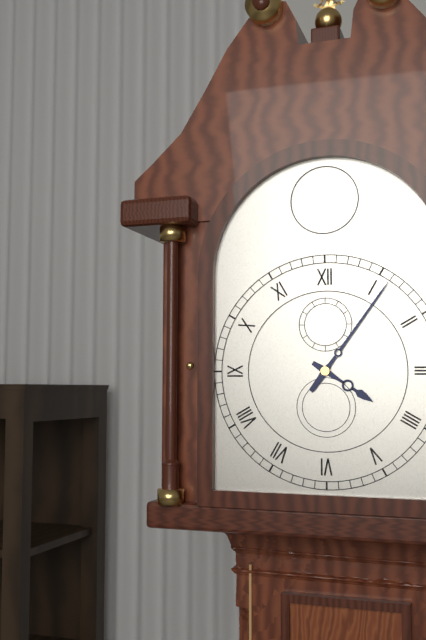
4:06
